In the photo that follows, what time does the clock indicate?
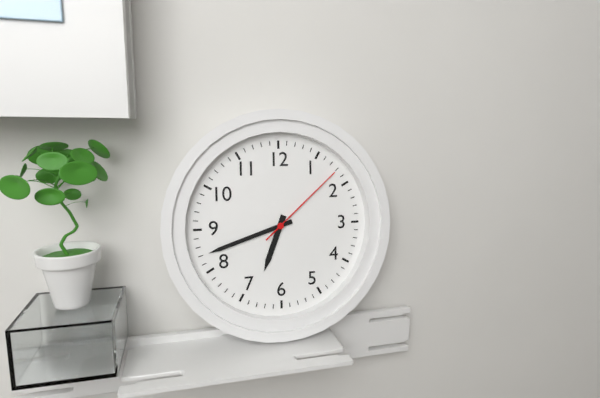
6:42:08
